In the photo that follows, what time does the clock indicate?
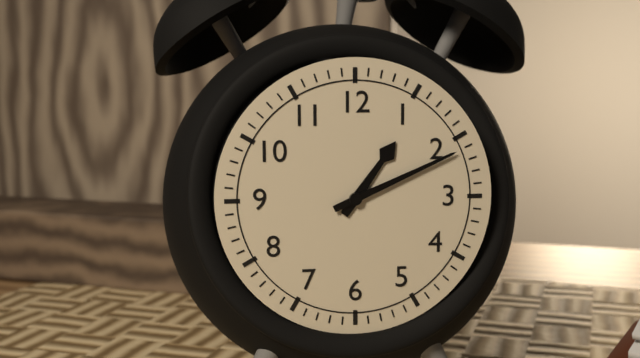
1:11
